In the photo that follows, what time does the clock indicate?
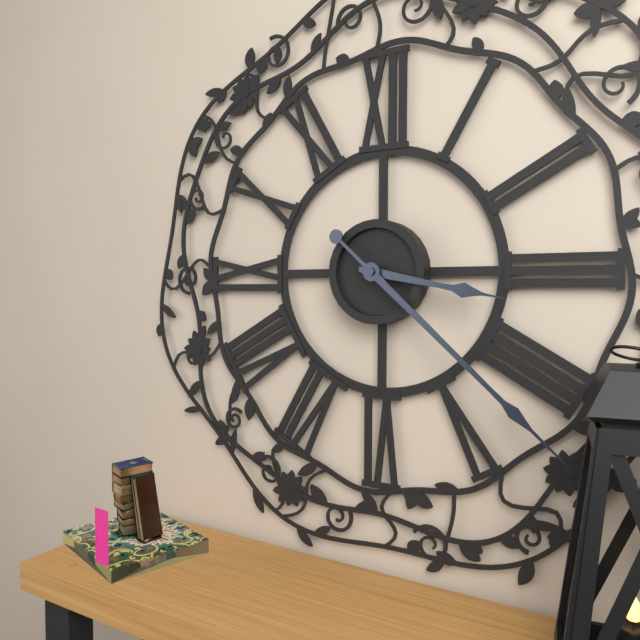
3:22
